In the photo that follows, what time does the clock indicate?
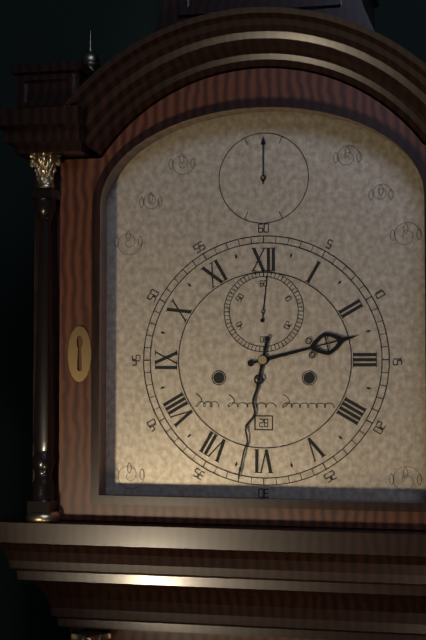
2:32
